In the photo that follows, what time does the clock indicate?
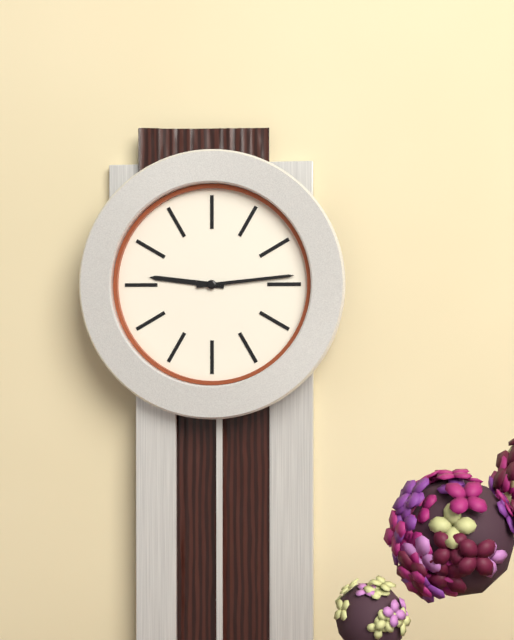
9:14
